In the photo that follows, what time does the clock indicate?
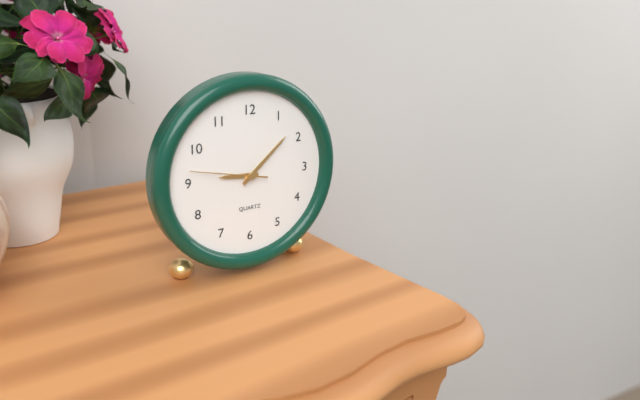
9:08:47
